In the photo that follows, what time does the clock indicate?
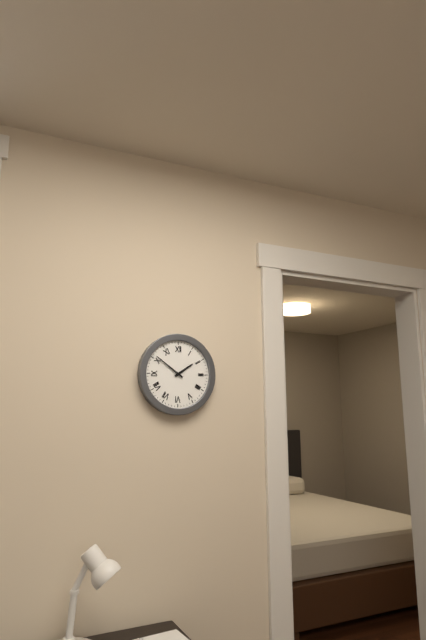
1:51
